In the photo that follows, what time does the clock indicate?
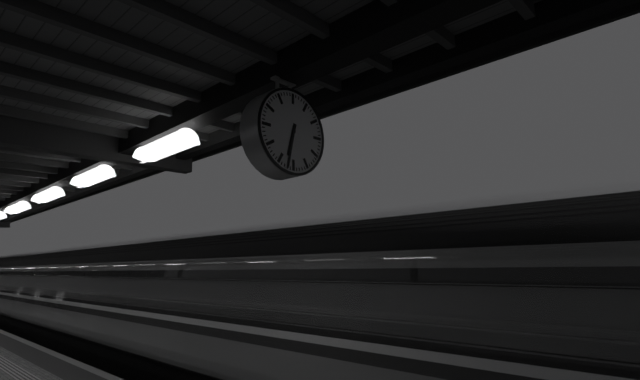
6:32
